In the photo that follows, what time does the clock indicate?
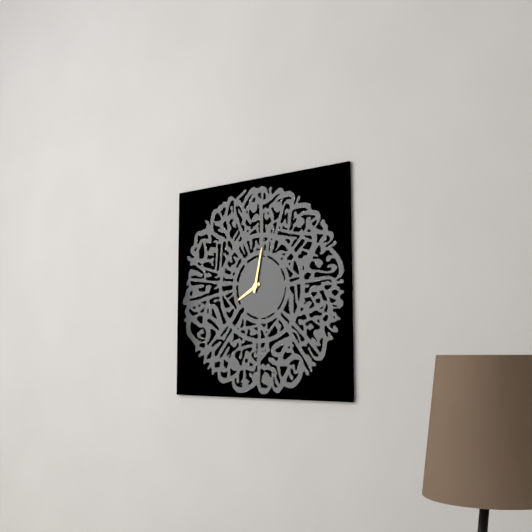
8:02
